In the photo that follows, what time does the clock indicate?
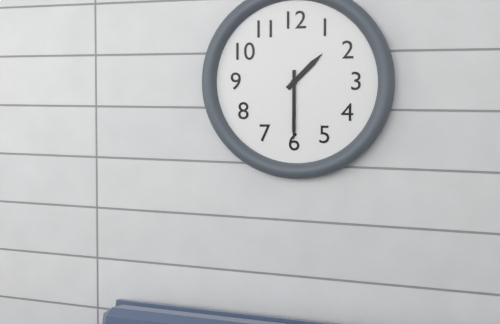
1:30
